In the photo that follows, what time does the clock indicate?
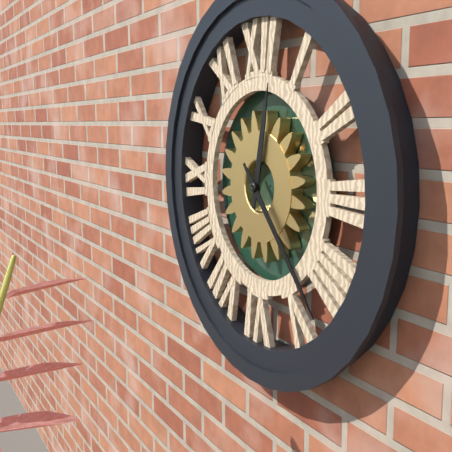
12:23
